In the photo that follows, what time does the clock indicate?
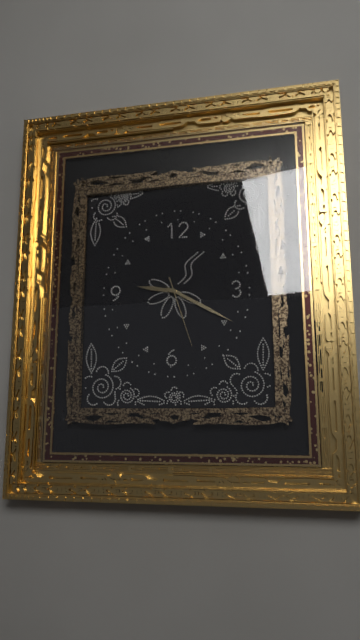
9:20:27
